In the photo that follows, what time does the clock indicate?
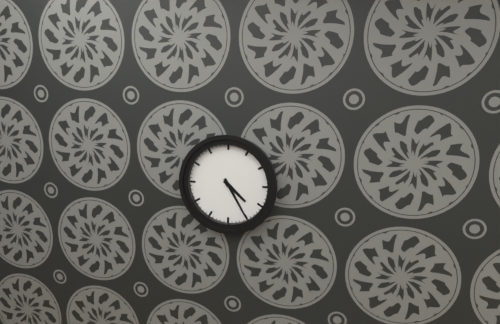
4:25
